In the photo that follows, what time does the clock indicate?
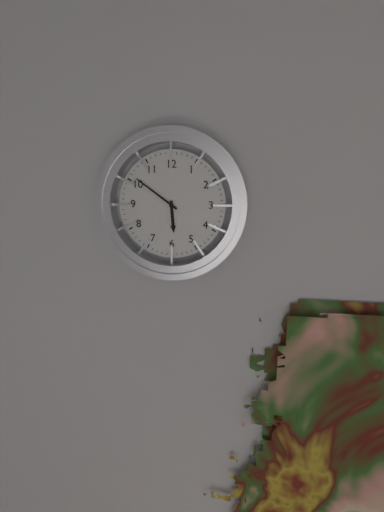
5:51
